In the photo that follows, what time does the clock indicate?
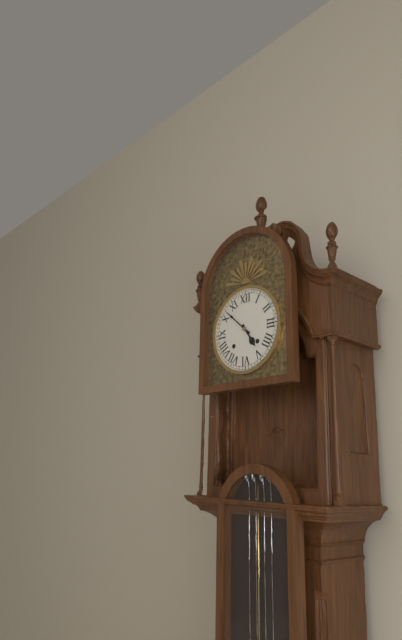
4:52
